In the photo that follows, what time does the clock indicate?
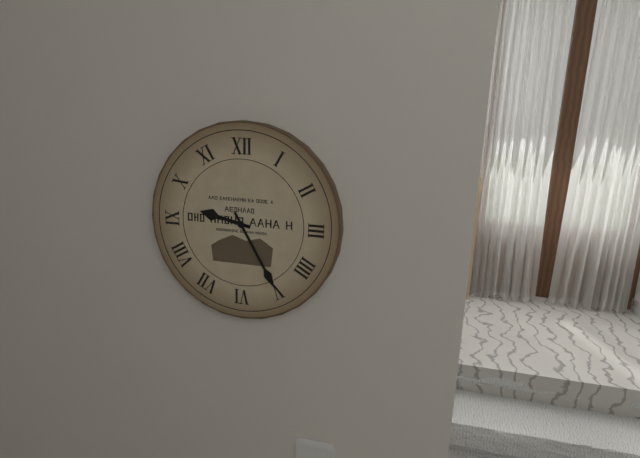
9:25
